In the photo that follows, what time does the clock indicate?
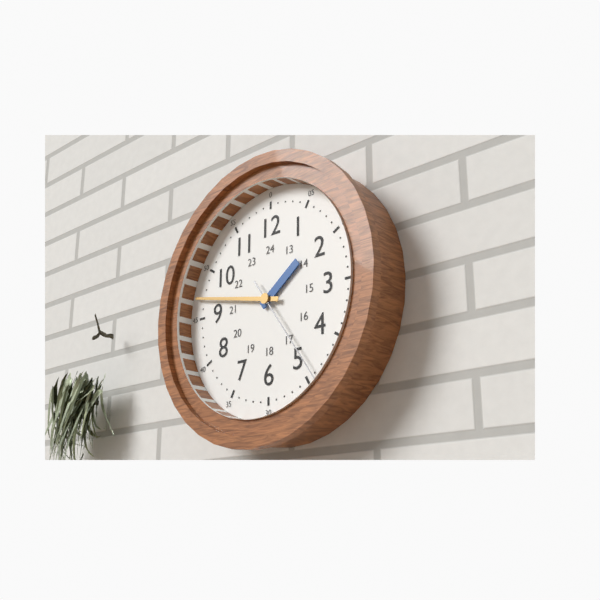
1:47:24
